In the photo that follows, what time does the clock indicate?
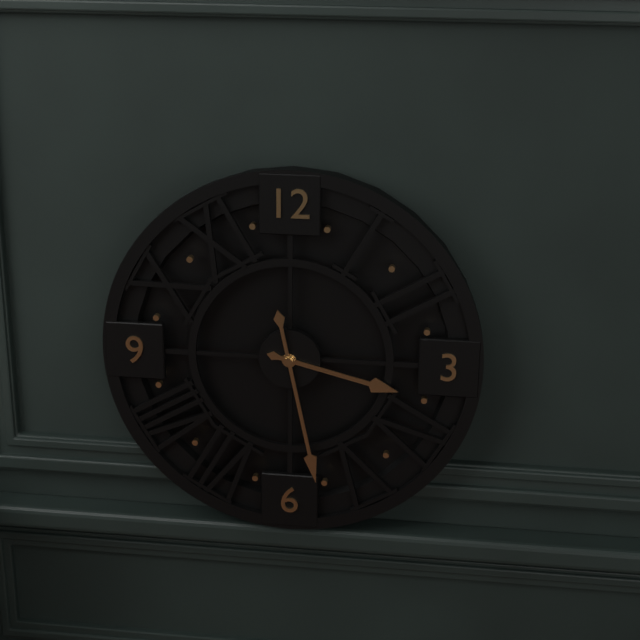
3:28
